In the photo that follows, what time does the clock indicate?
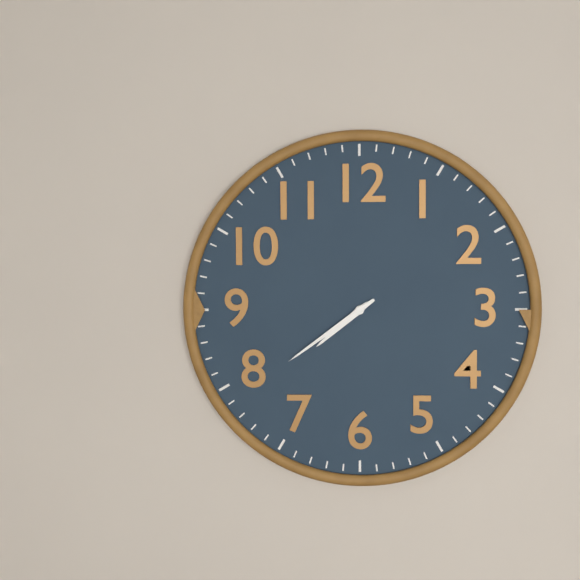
7:39
